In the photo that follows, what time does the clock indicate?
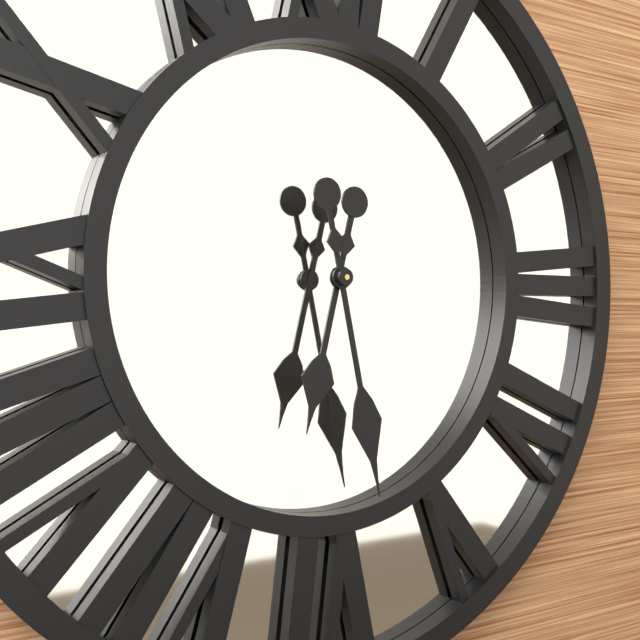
6:28
